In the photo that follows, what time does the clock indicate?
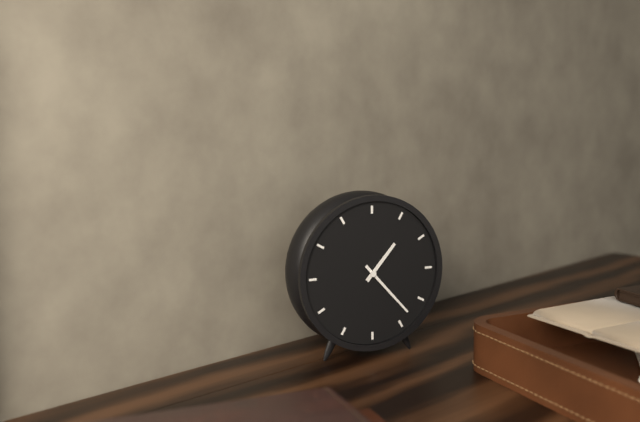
1:23
